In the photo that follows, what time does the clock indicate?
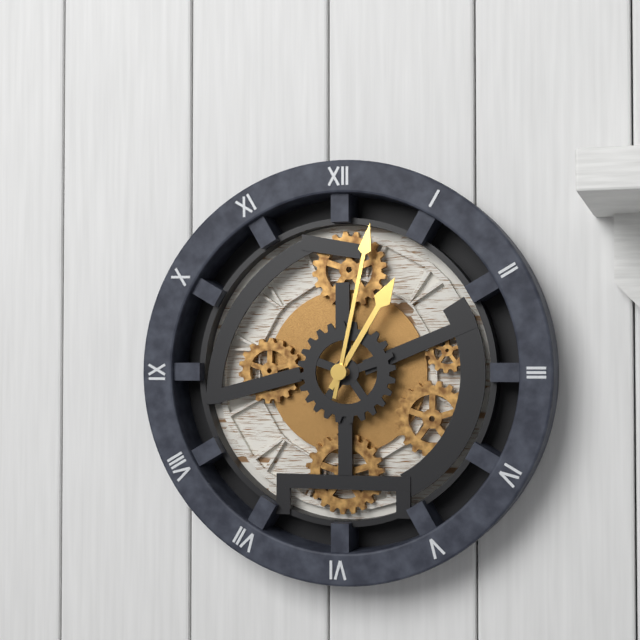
1:02
